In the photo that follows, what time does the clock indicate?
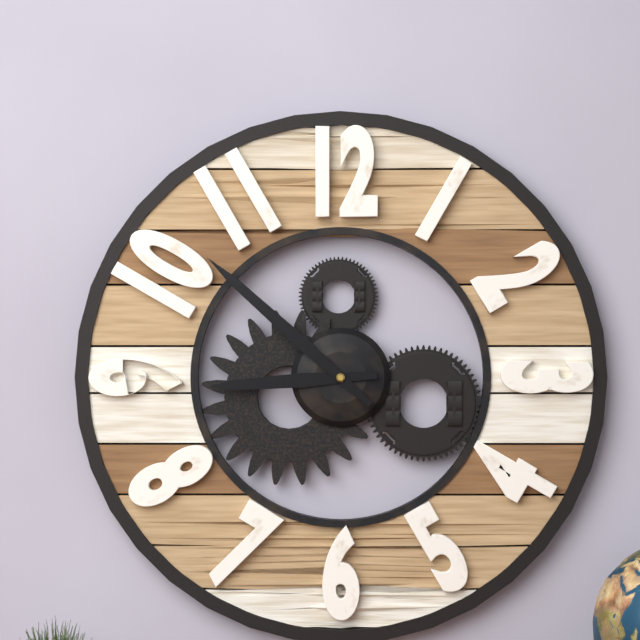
8:52
